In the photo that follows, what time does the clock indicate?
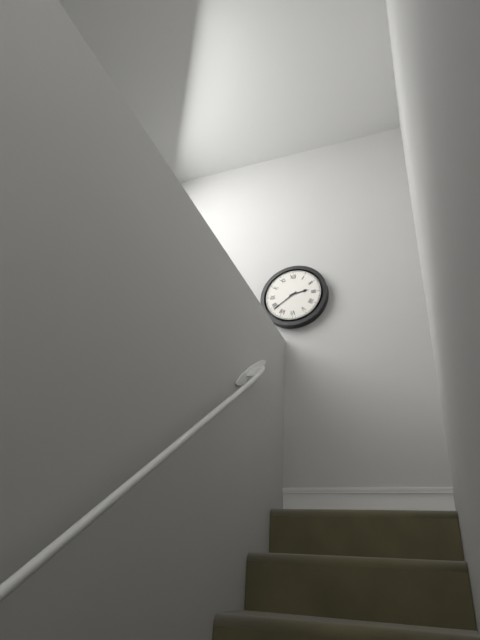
2:39
